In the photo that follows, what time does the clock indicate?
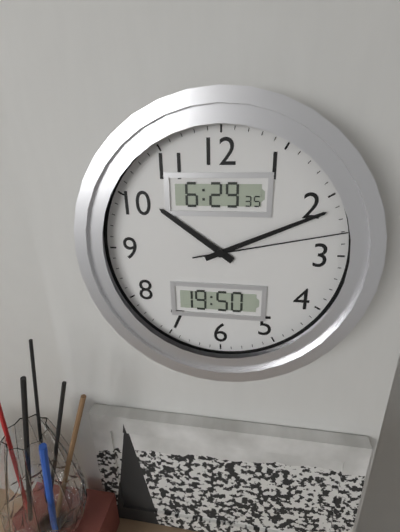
10:11:13
